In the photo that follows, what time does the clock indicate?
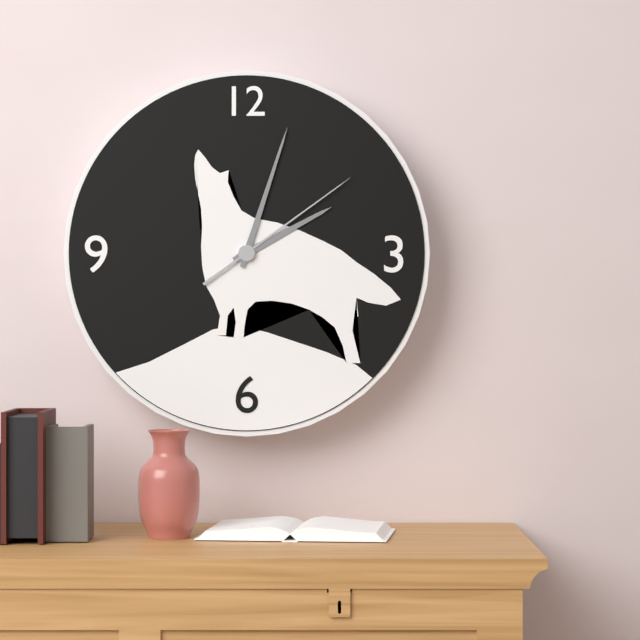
2:03:09
